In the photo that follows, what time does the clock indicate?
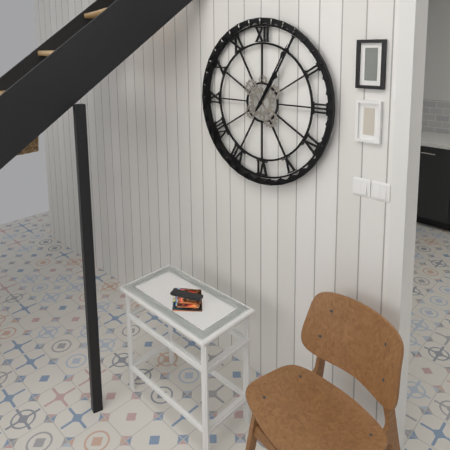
1:05
